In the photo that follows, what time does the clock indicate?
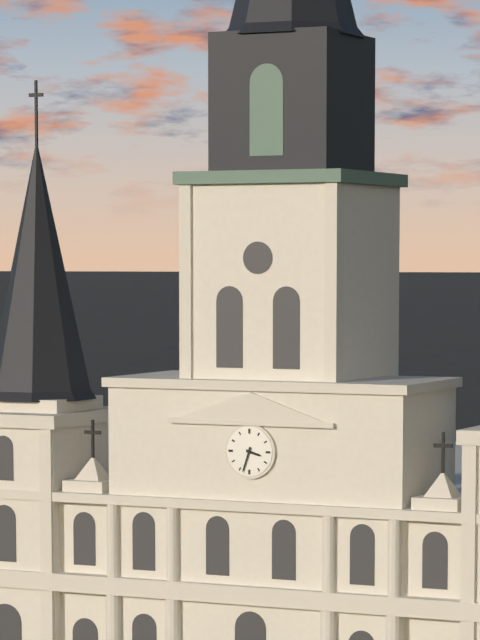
3:33
